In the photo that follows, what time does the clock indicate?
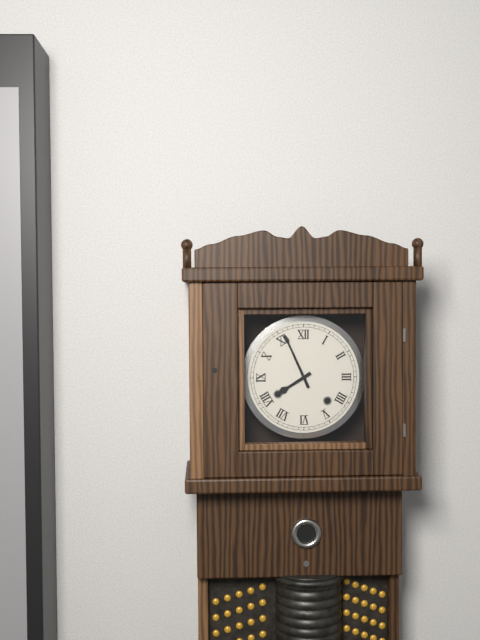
7:56
